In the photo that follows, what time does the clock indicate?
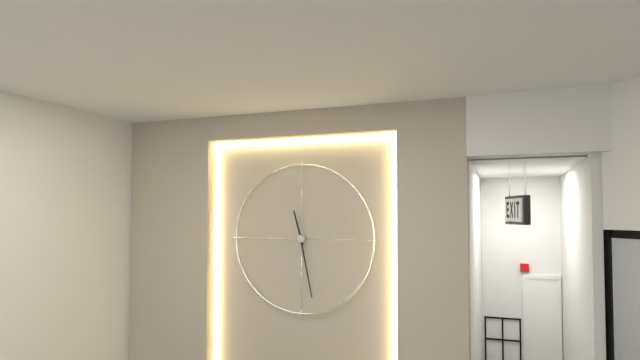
11:28
